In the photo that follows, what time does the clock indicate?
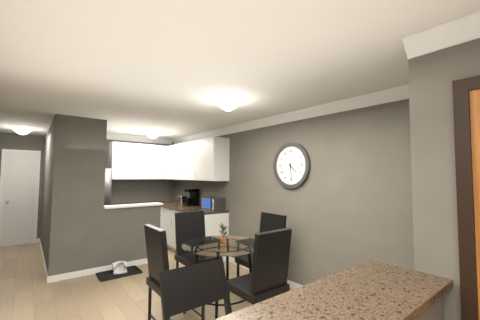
4:29
